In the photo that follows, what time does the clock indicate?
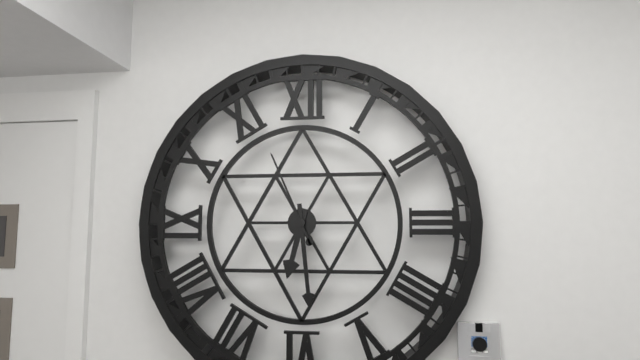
6:29:56
